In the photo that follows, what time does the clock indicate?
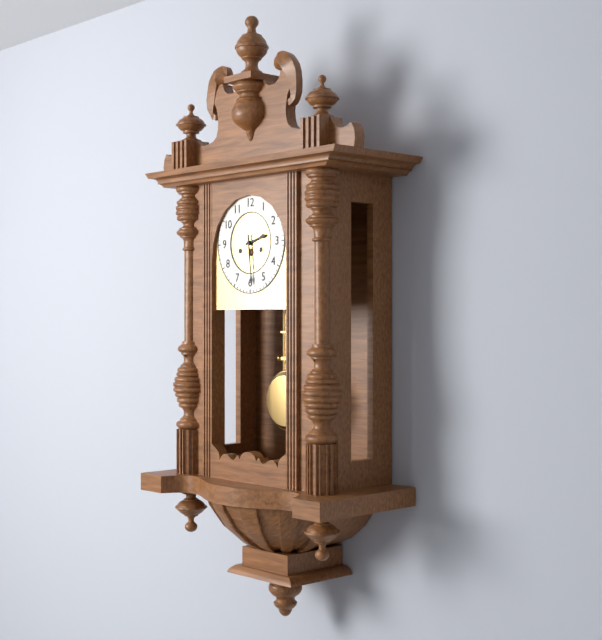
2:29
